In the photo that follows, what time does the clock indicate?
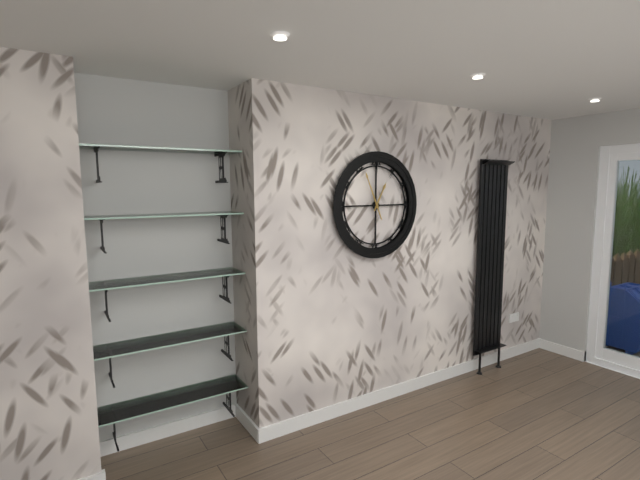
12:56
